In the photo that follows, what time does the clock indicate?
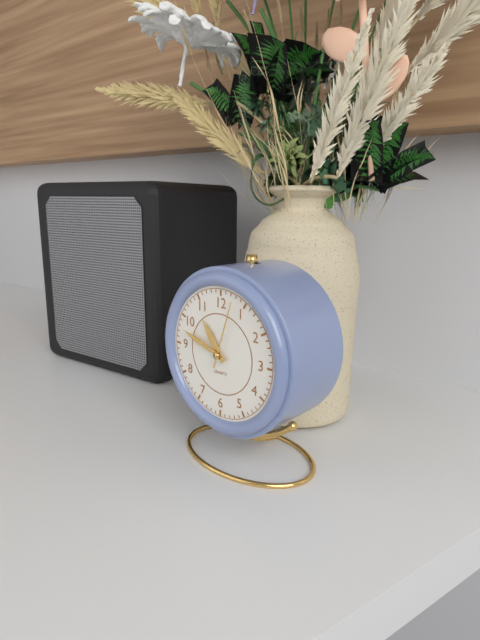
10:48:03
